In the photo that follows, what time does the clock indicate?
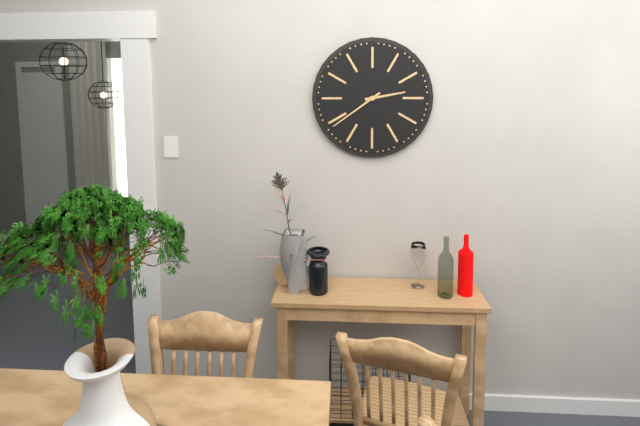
2:39
